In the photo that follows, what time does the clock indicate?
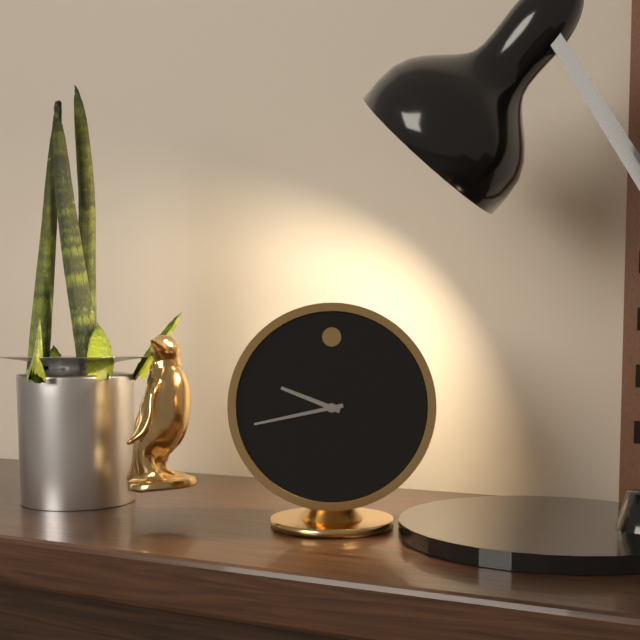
9:43
